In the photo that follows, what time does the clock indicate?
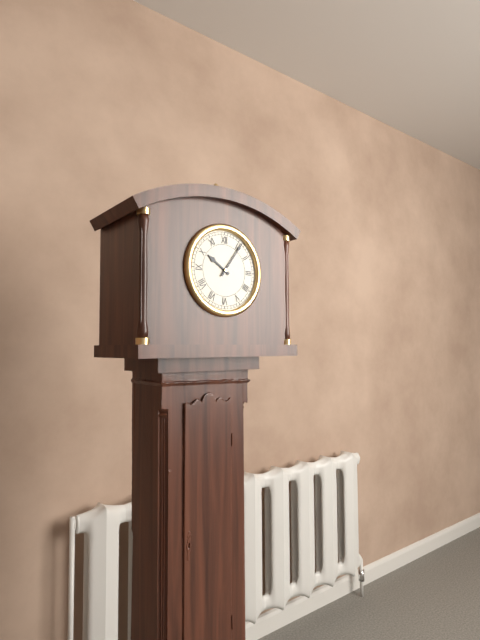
10:06
